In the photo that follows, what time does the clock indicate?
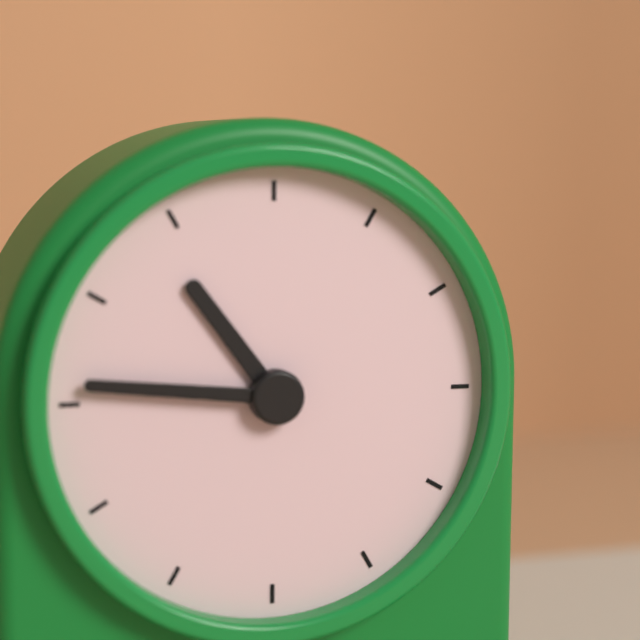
10:46
